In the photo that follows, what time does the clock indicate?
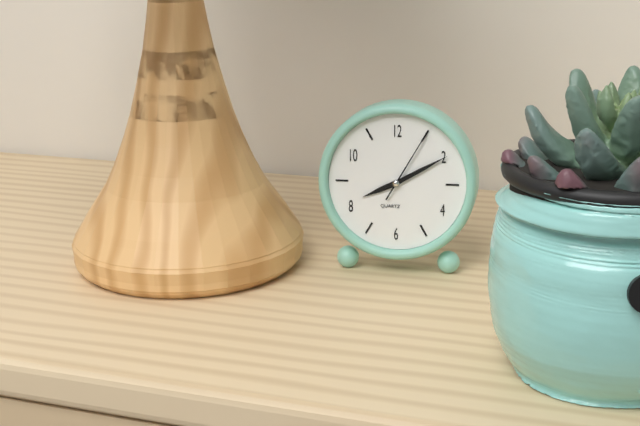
8:10:05
